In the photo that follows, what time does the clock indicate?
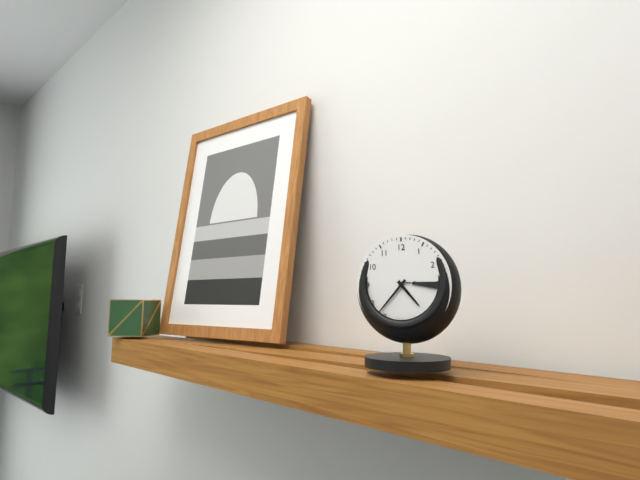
4:37
